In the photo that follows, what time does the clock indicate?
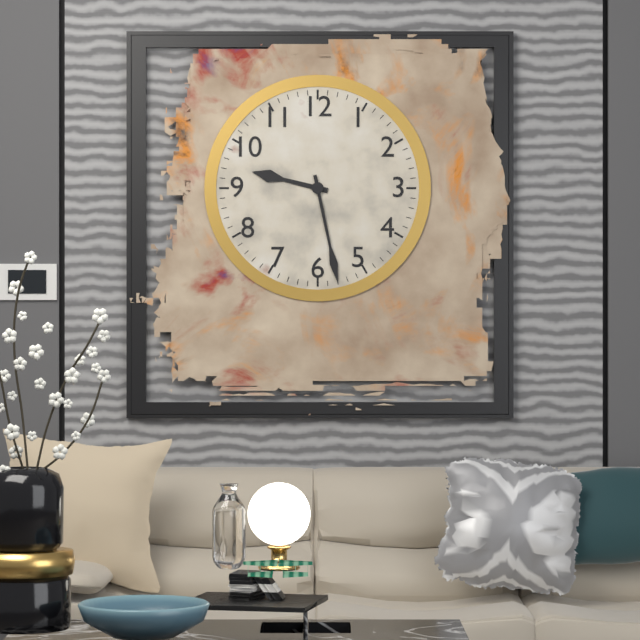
9:28
